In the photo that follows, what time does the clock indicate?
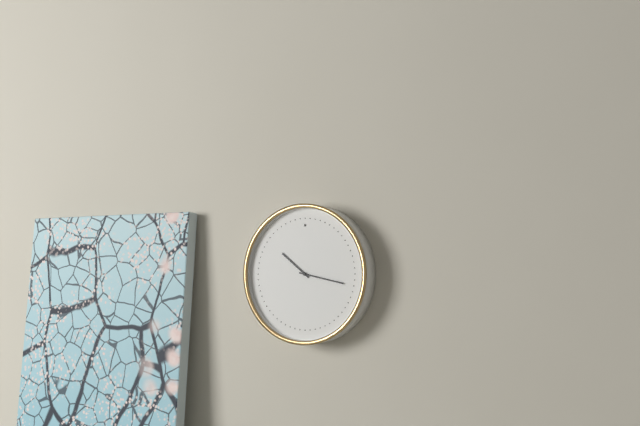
10:17
